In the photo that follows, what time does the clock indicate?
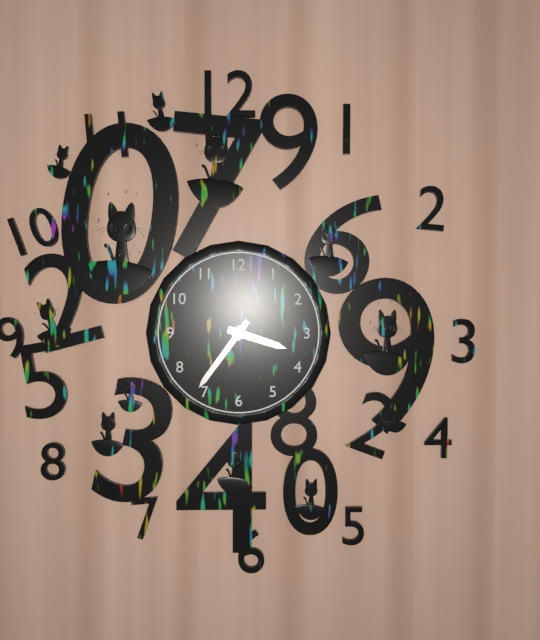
3:36
